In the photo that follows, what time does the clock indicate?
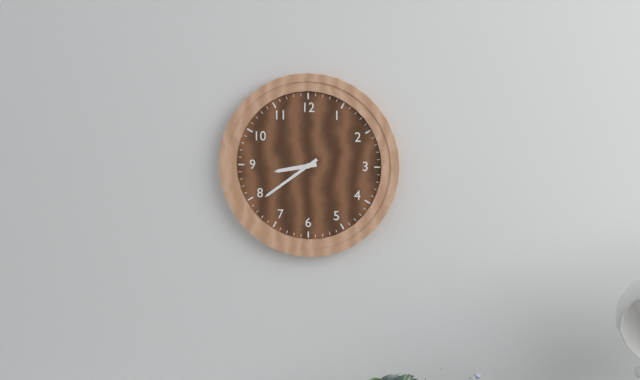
8:39
